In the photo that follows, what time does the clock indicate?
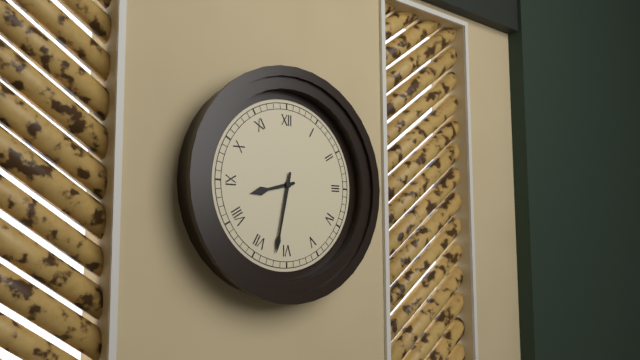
8:32
